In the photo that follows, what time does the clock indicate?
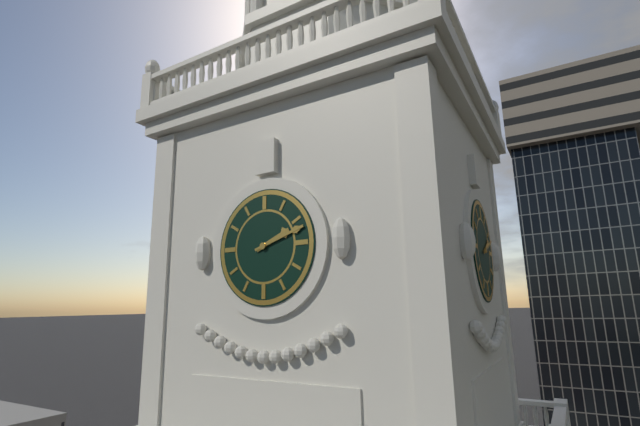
2:12
